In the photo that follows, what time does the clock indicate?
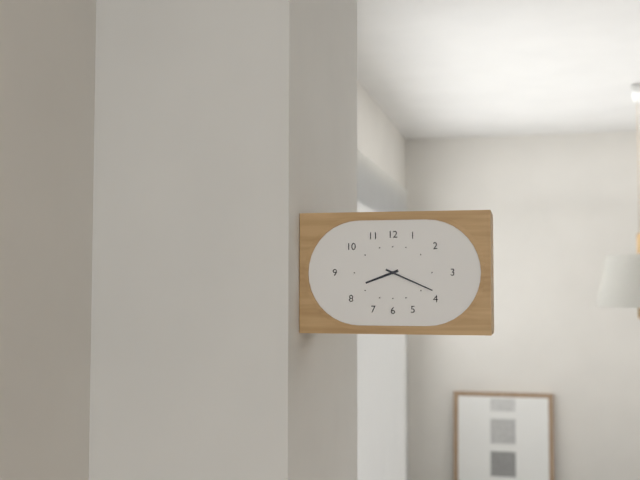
8:19
